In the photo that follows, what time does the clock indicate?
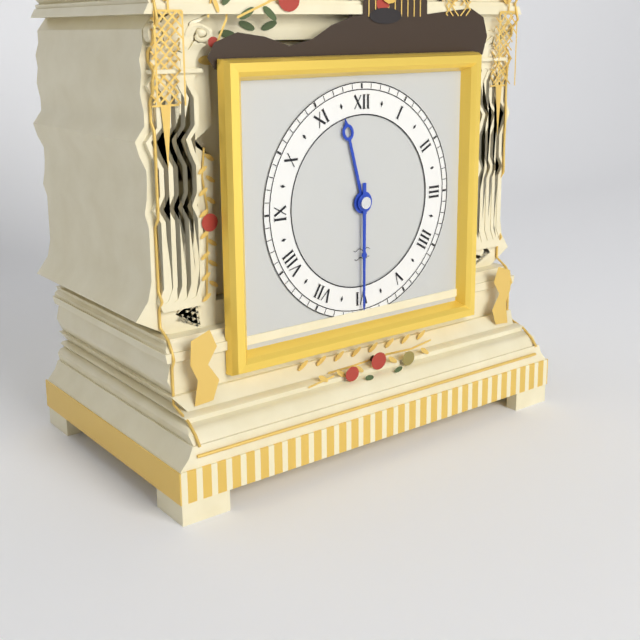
11:30
